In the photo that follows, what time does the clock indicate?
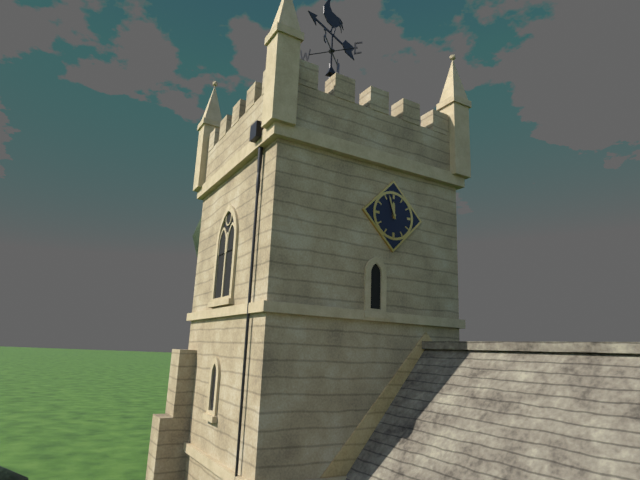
11:57
